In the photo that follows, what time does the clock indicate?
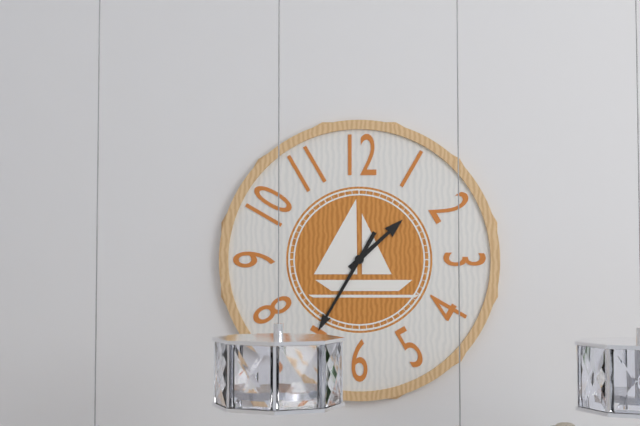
1:35
